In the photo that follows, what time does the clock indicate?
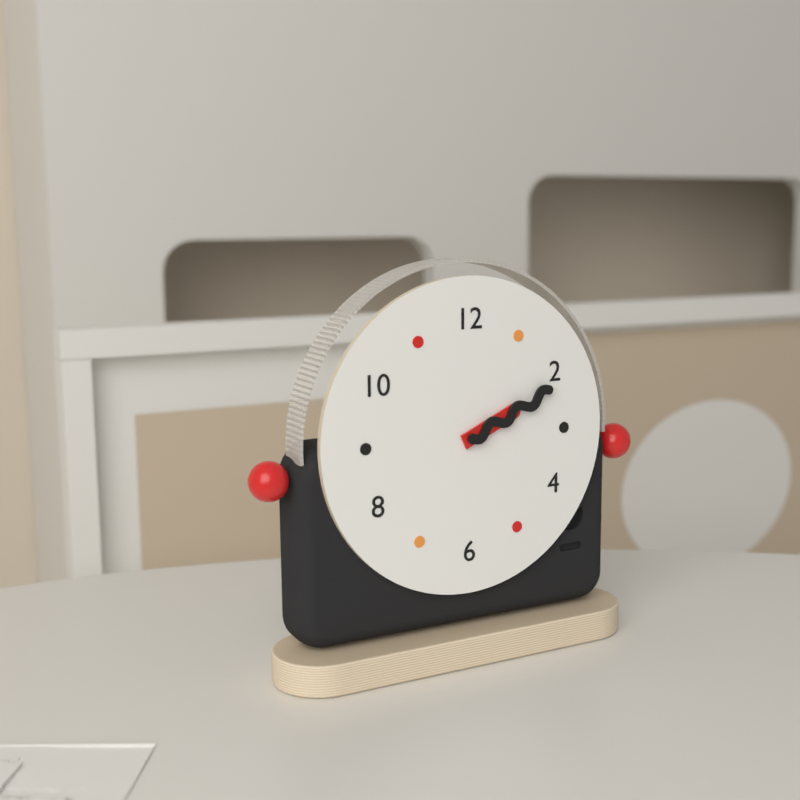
2:11
